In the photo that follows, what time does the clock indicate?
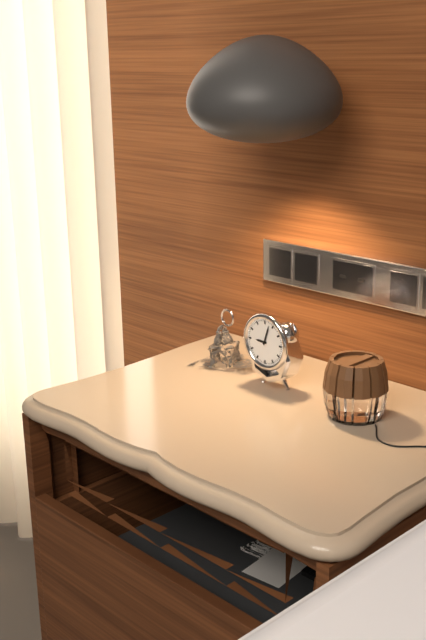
9:03
